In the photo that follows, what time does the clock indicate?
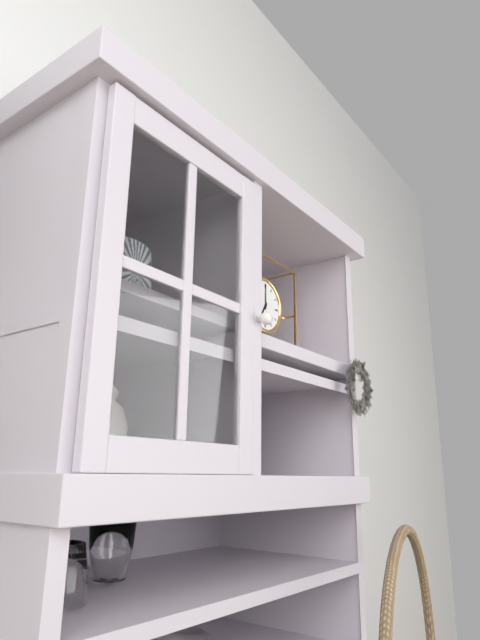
7:00
